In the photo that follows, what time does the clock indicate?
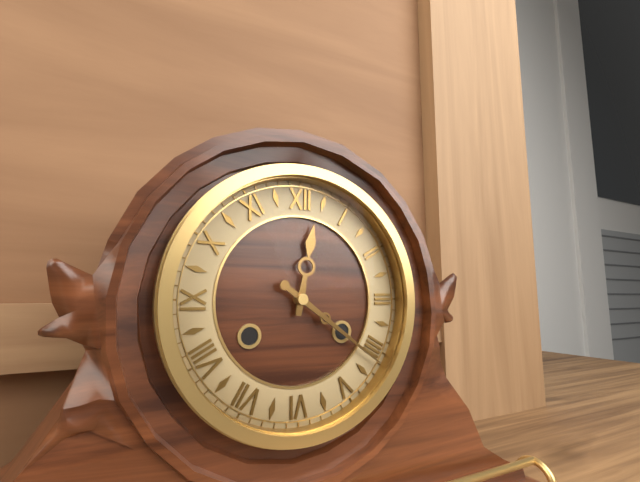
12:21
